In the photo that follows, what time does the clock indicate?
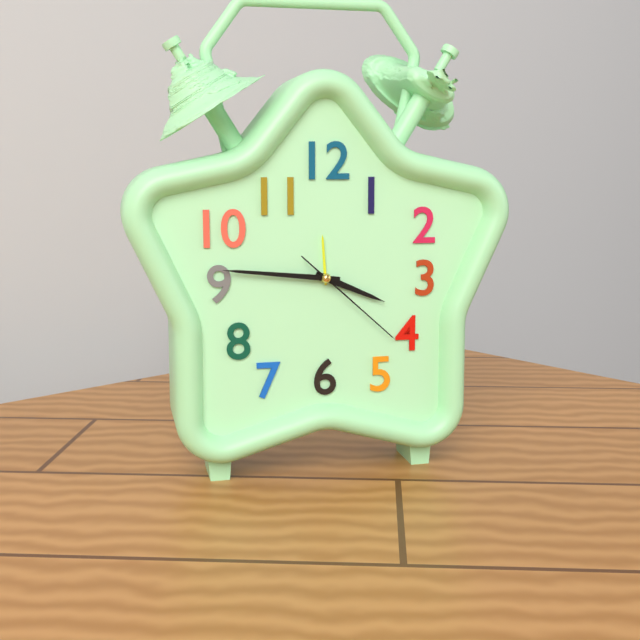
3:46:22
